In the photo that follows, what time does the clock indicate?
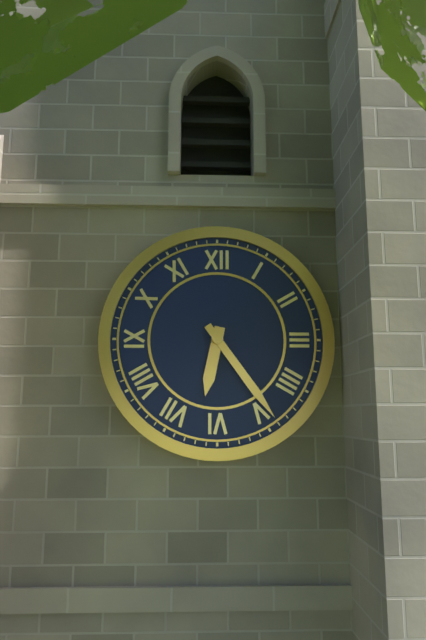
6:24
